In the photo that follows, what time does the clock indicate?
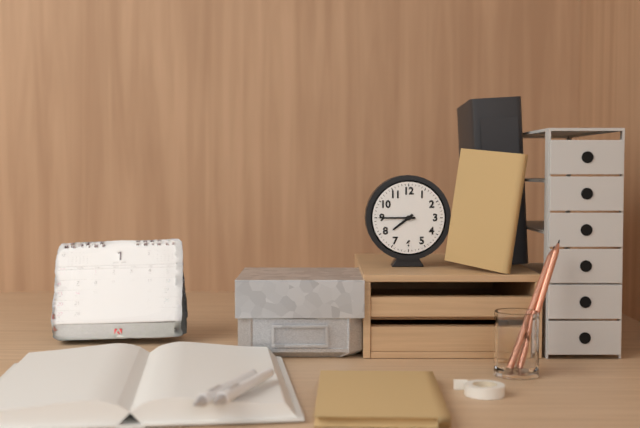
7:45
